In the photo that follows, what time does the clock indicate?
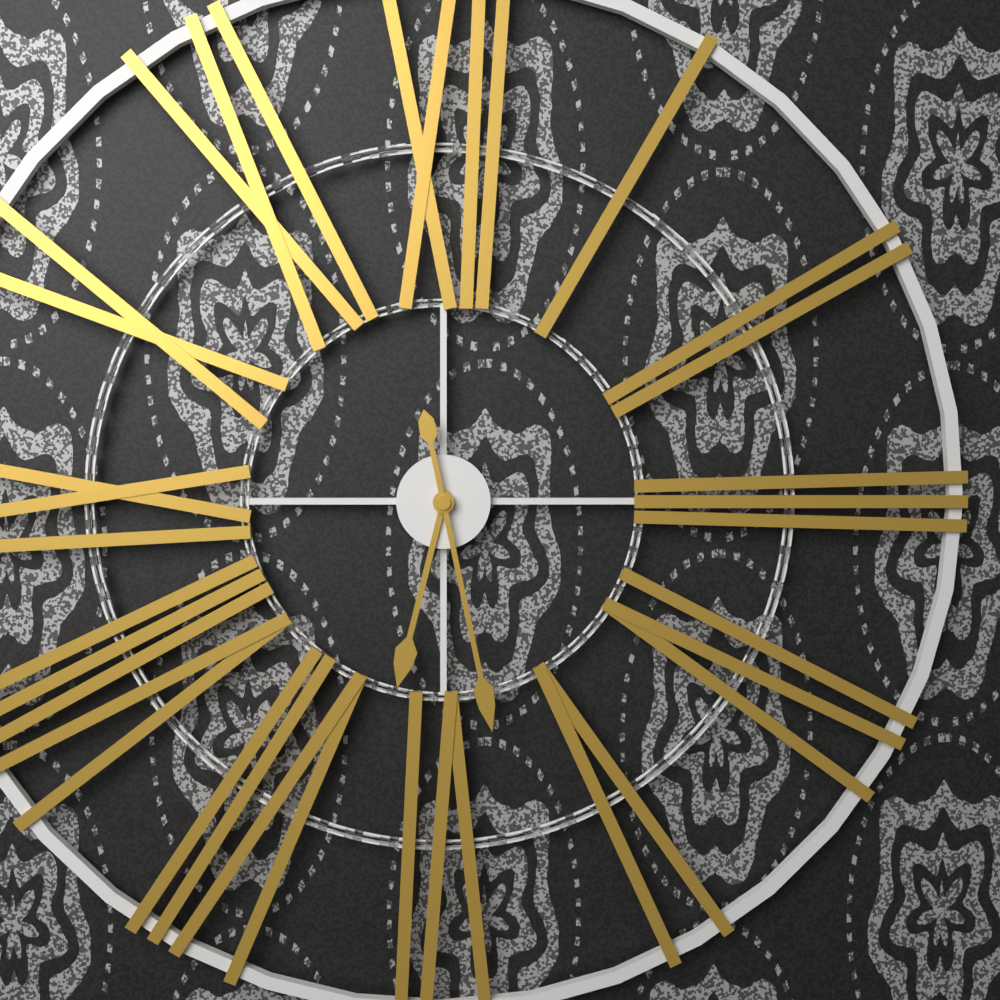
6:28
